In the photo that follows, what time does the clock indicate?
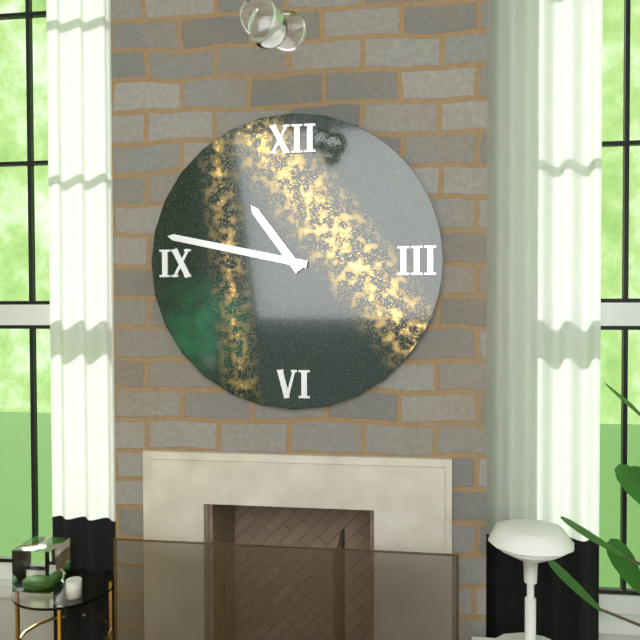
10:47
